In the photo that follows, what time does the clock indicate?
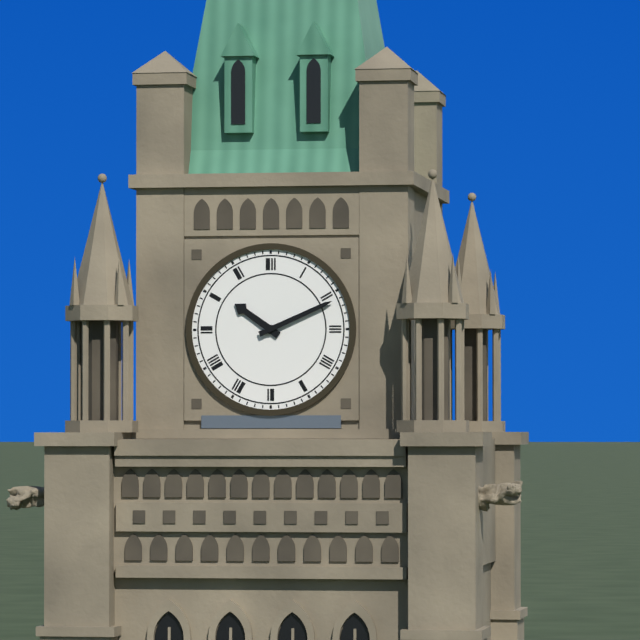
10:11
